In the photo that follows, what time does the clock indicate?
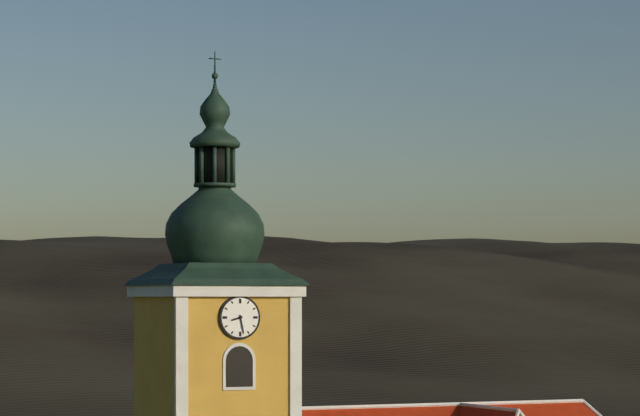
8:28
